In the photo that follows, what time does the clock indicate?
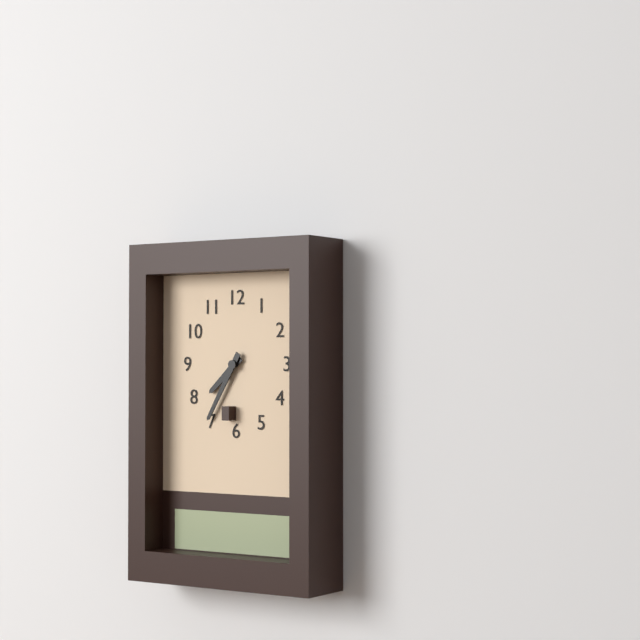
7:35
